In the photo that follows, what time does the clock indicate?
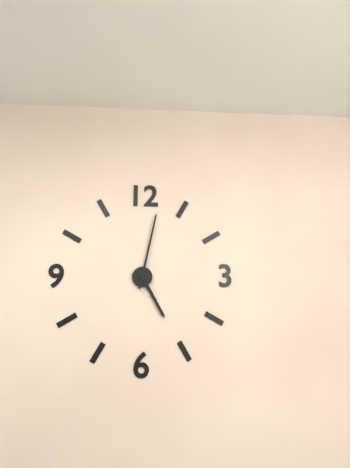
5:02
